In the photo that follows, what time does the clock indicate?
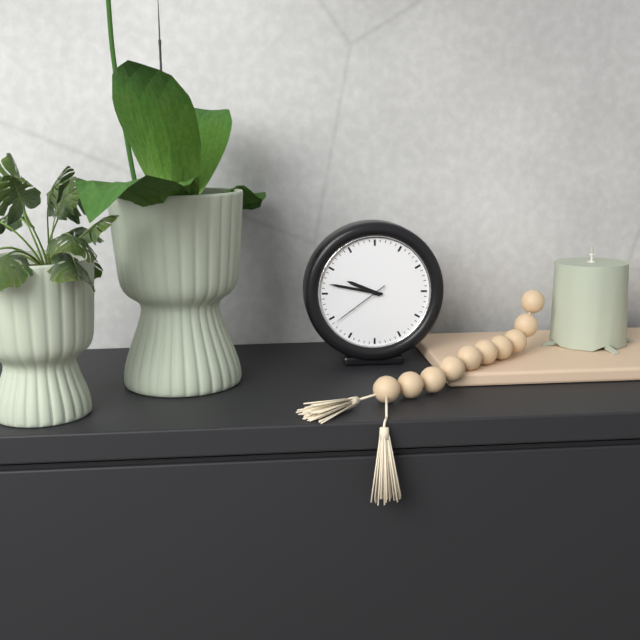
9:47:39
